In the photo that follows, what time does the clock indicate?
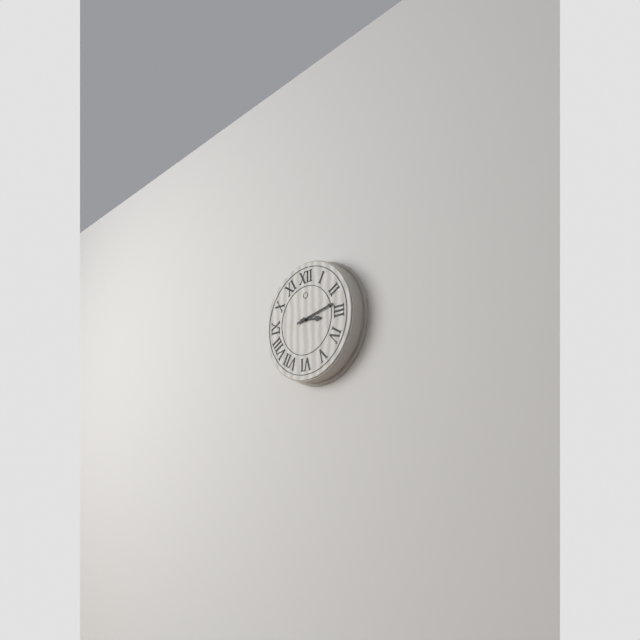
3:13
